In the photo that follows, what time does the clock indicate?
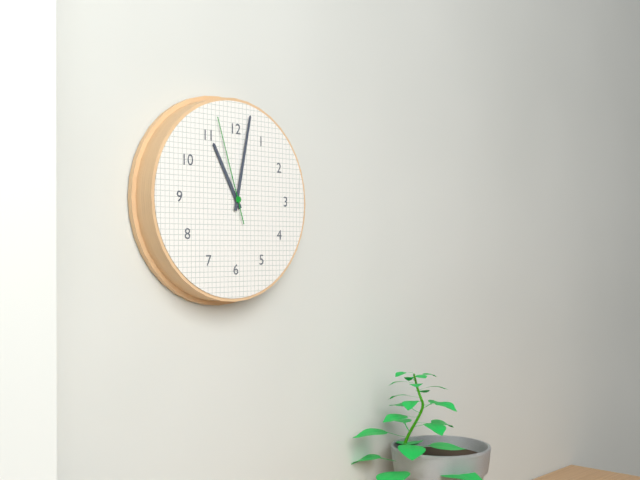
11:02:57
